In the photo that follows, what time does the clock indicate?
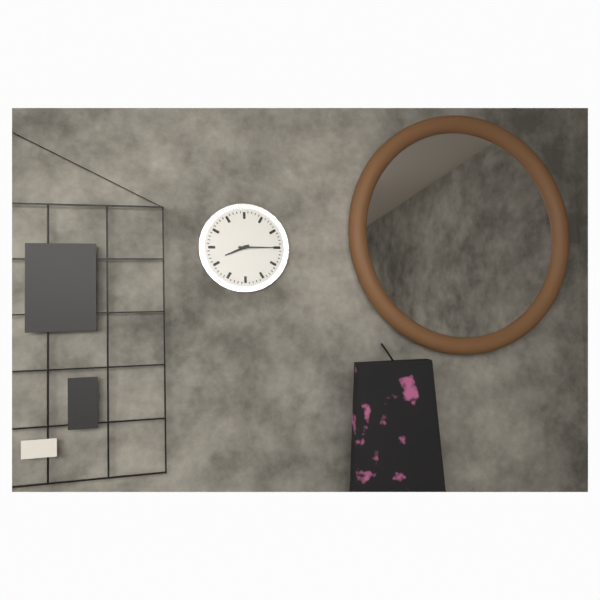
8:15
